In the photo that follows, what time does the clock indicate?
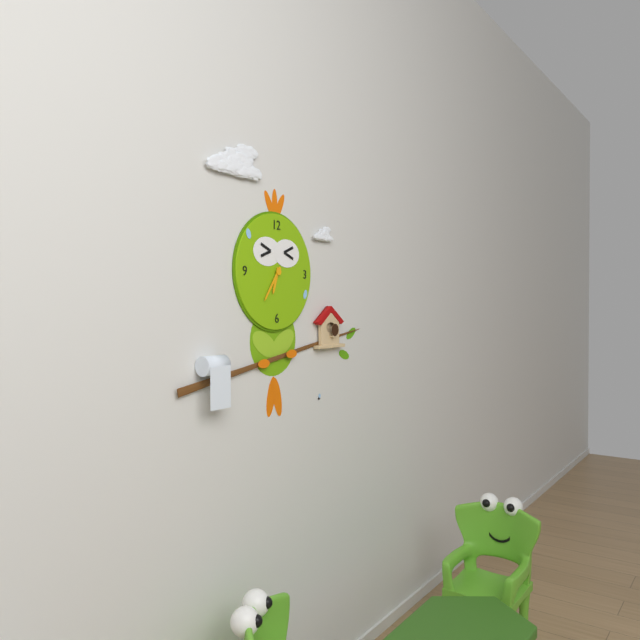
6:36
